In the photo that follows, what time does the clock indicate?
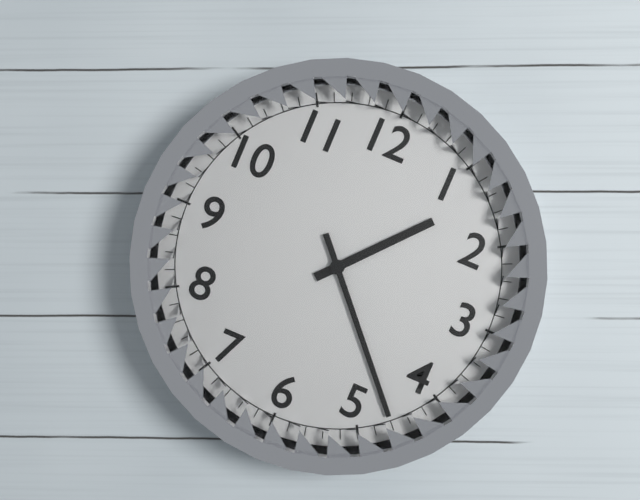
1:23
